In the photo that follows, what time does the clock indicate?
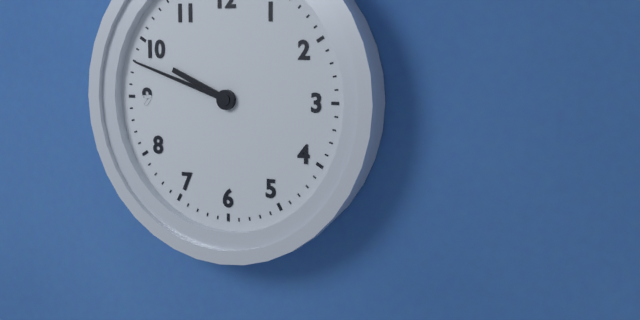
9:48
